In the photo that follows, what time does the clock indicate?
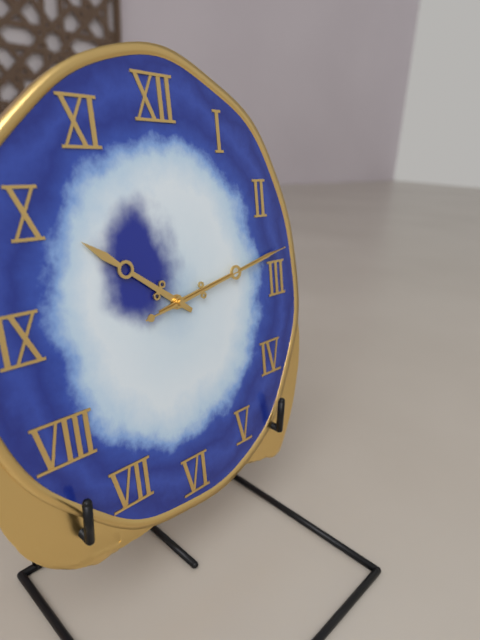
10:13:13
